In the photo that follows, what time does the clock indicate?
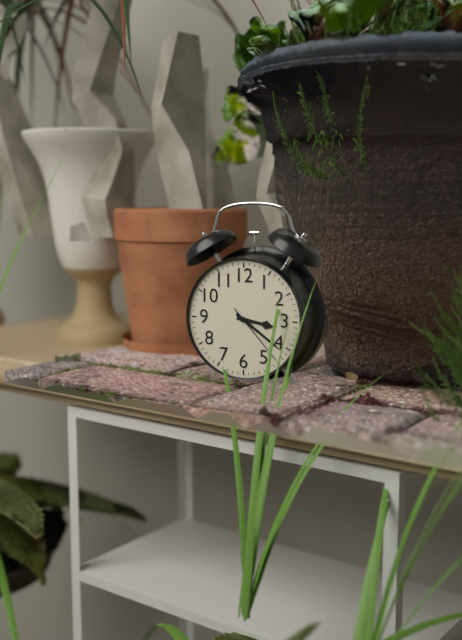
3:21:23
